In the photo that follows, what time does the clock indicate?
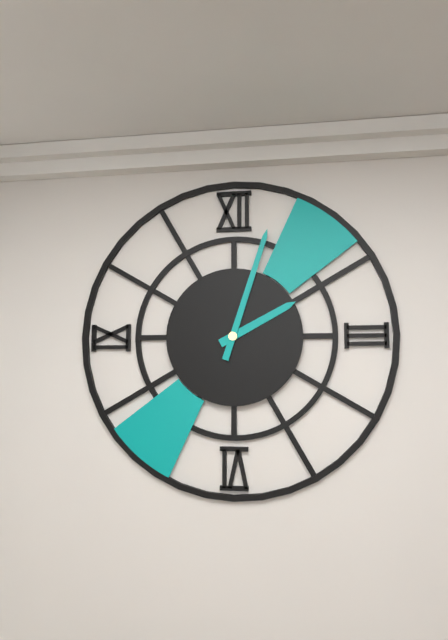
2:03
